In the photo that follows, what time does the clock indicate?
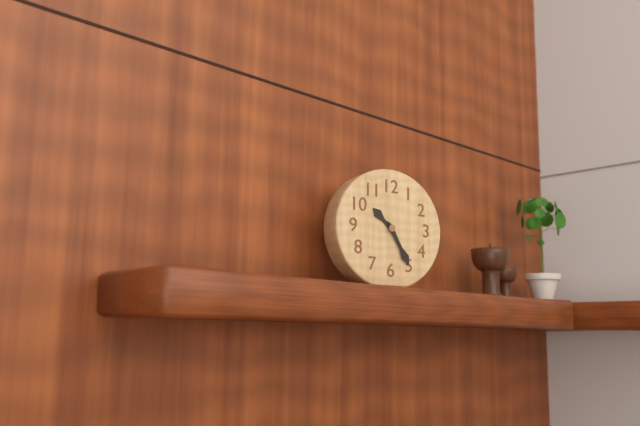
10:25
